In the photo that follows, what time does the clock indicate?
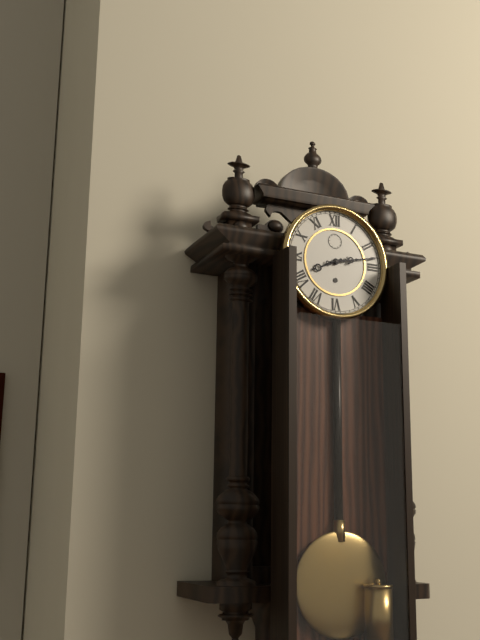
8:13
